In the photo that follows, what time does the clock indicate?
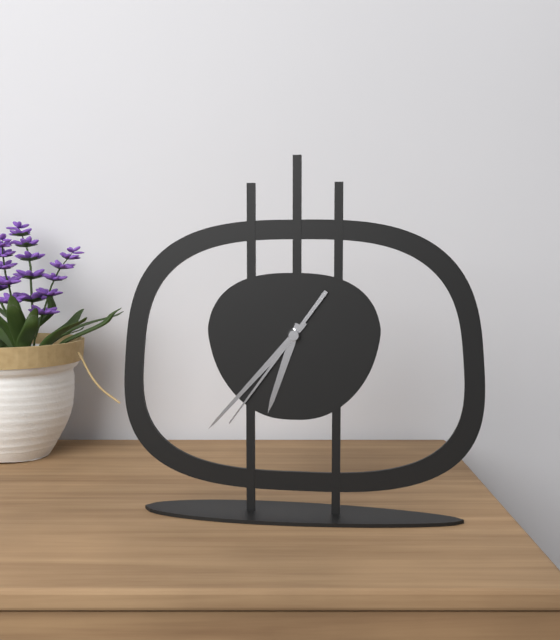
6:37:36
